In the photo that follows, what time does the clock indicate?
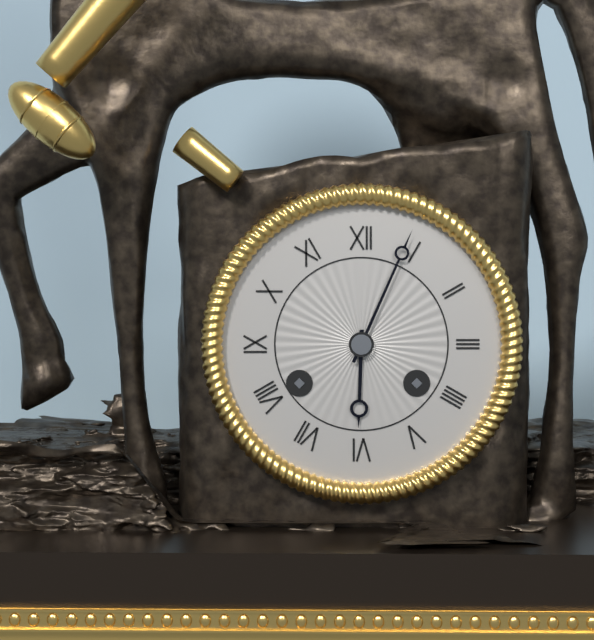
6:04
